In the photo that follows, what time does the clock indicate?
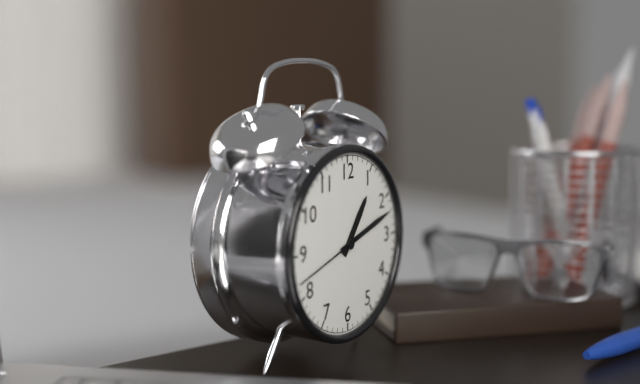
1:12:42
